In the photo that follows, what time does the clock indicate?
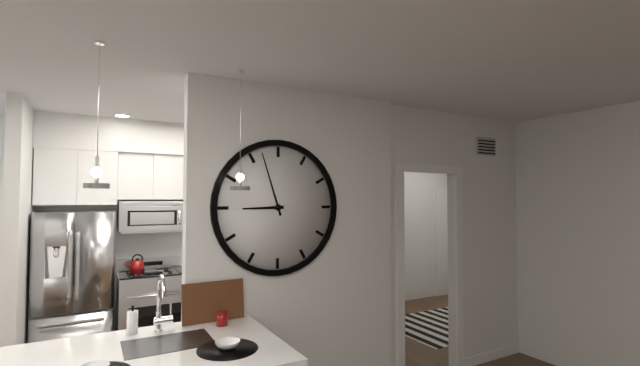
8:57
